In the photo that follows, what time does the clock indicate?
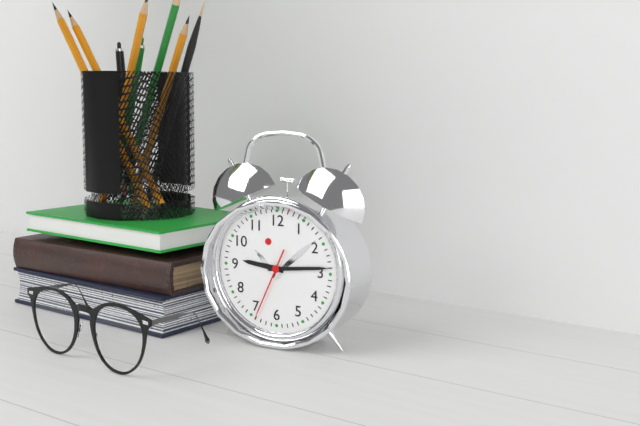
9:14:34
